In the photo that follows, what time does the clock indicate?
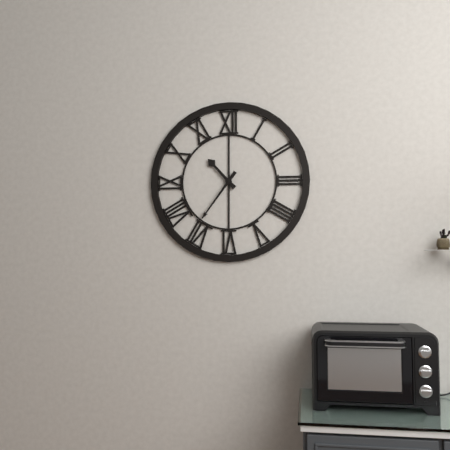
10:36
